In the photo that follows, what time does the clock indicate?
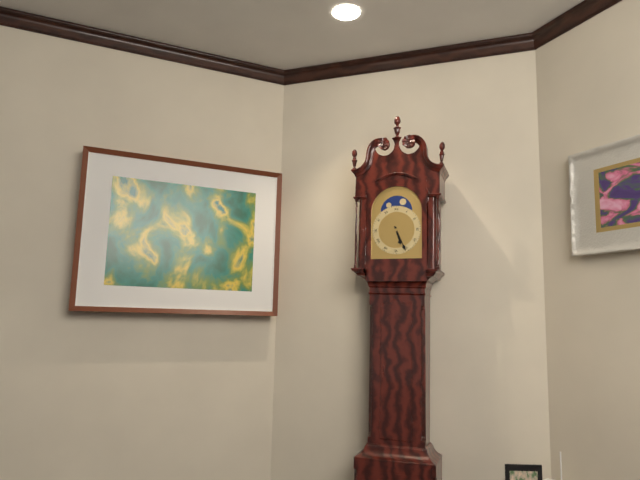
5:26
